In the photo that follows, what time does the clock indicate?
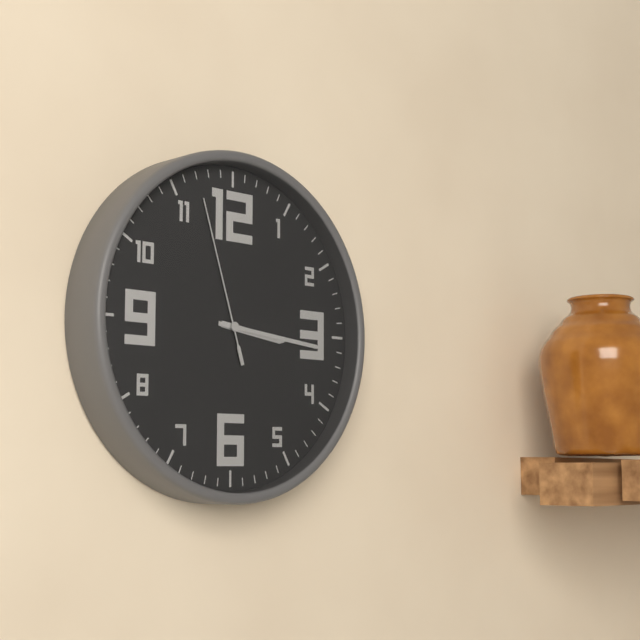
3:16:57
